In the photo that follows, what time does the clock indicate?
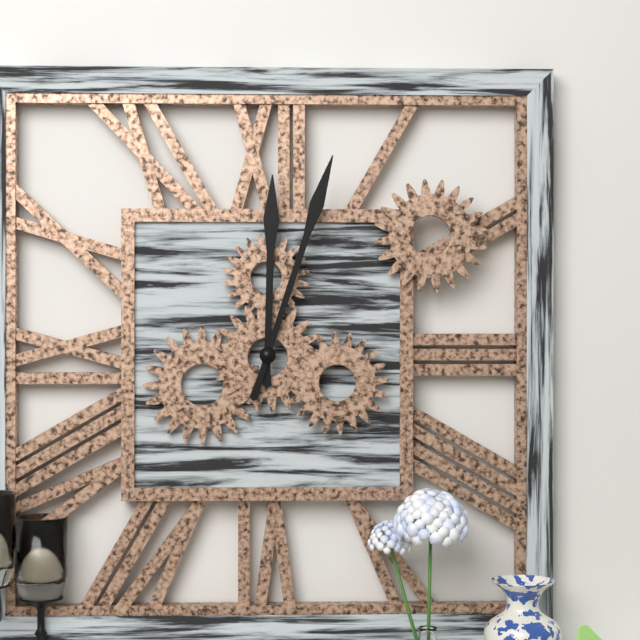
12:03
